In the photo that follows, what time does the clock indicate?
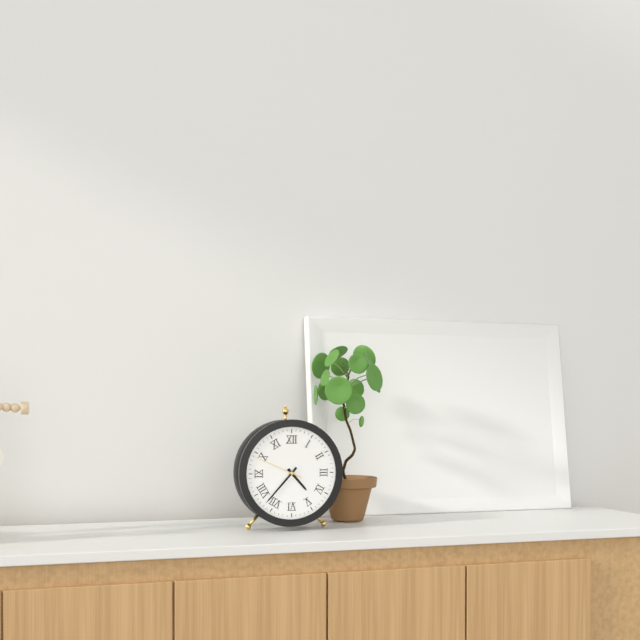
4:37:49
